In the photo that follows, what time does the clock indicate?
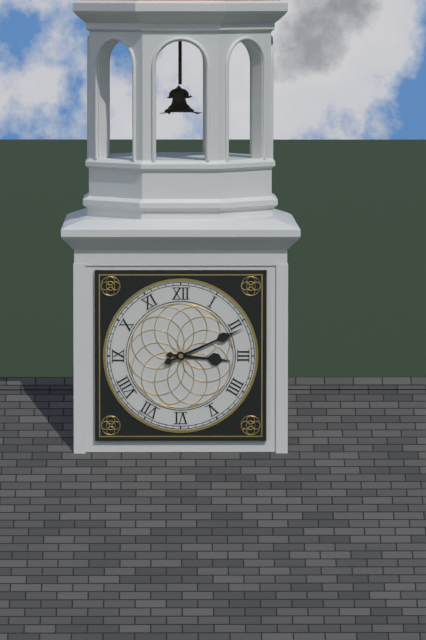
3:11
